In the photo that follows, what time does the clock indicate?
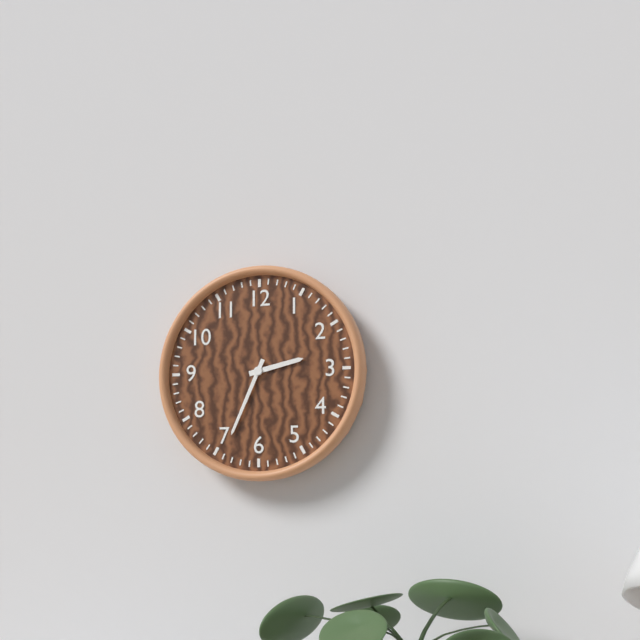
2:34
